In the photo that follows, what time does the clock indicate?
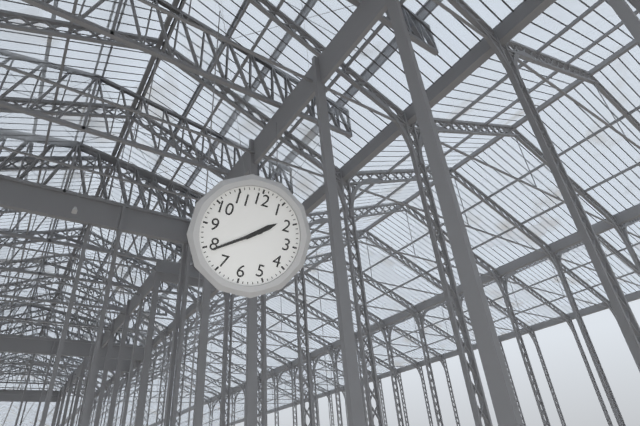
1:39
